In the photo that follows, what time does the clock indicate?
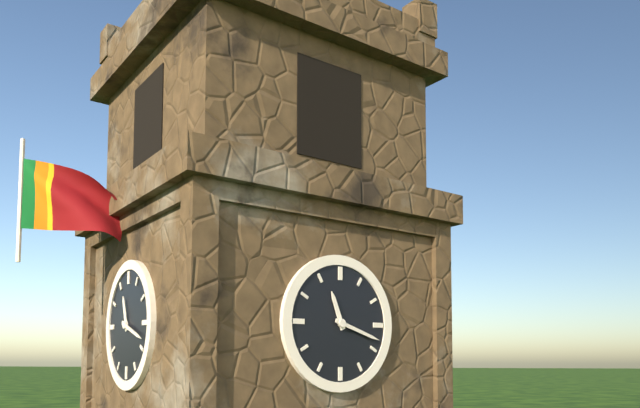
11:18
